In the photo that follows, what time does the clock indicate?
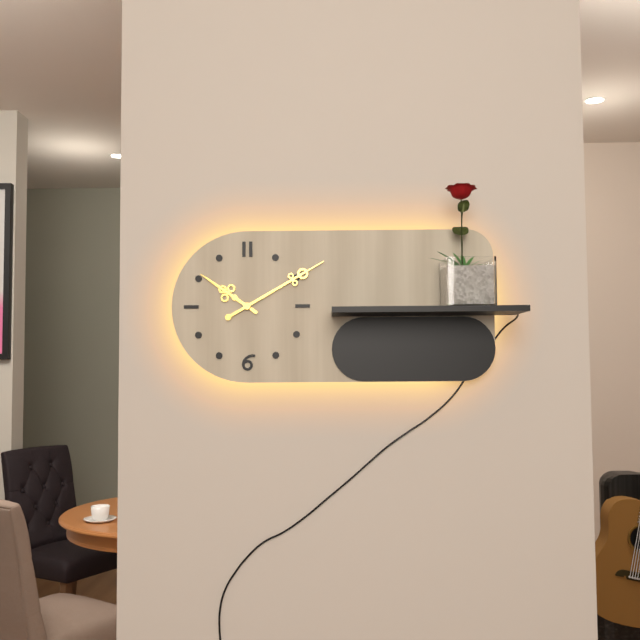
10:10
